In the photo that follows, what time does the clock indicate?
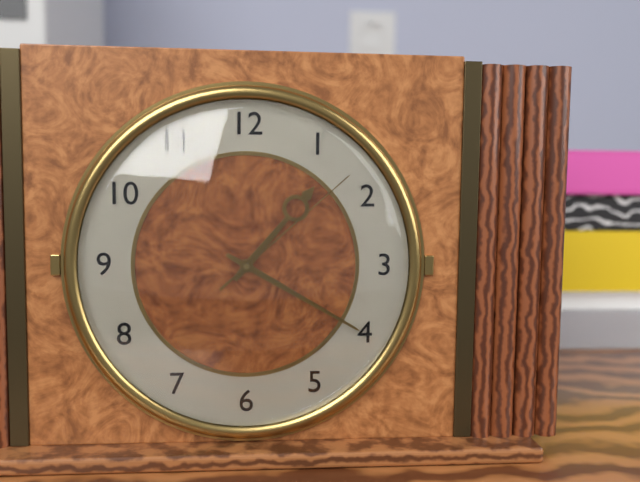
1:20:08
